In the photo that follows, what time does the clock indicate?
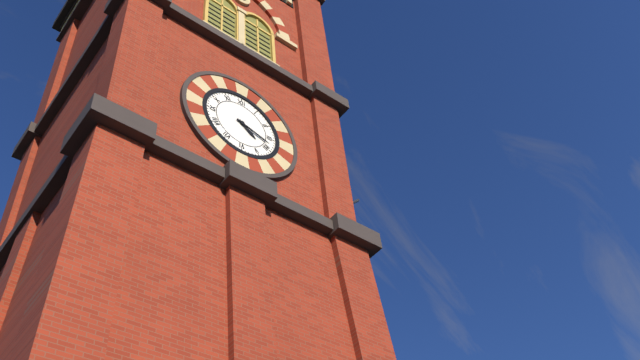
4:18
